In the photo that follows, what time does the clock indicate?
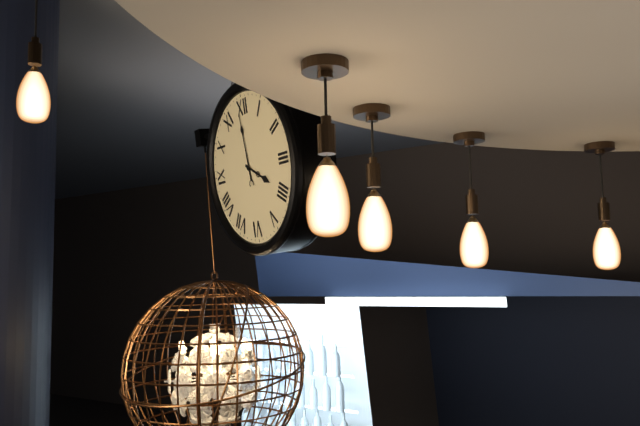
3:59
